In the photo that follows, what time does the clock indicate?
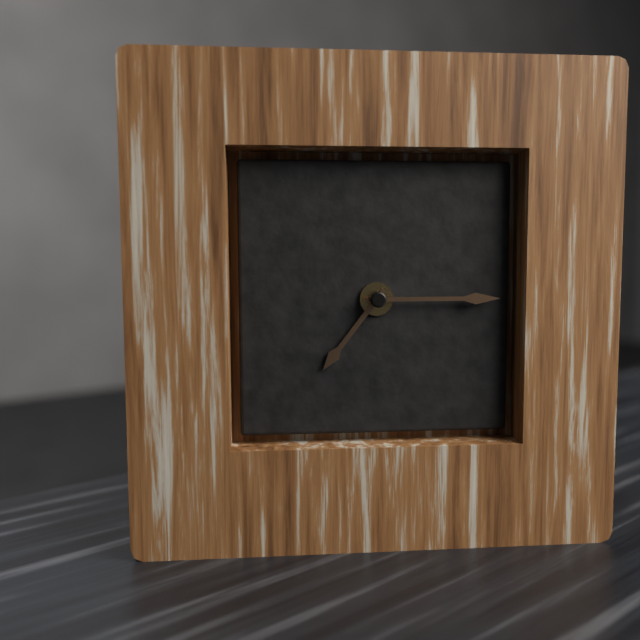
7:15
